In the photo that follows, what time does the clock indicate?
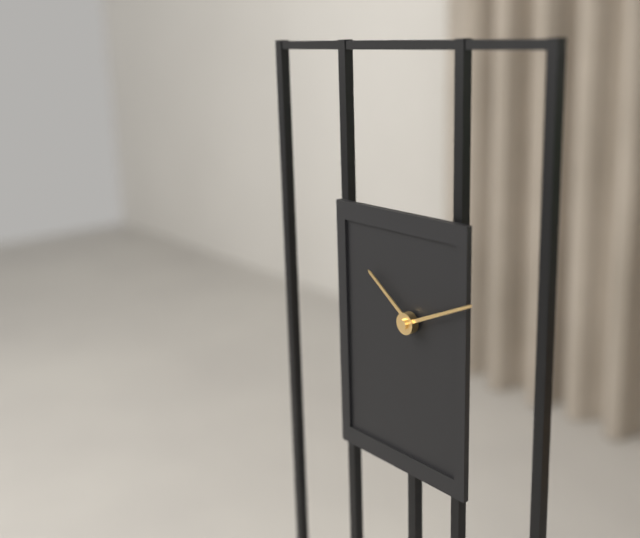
10:11
